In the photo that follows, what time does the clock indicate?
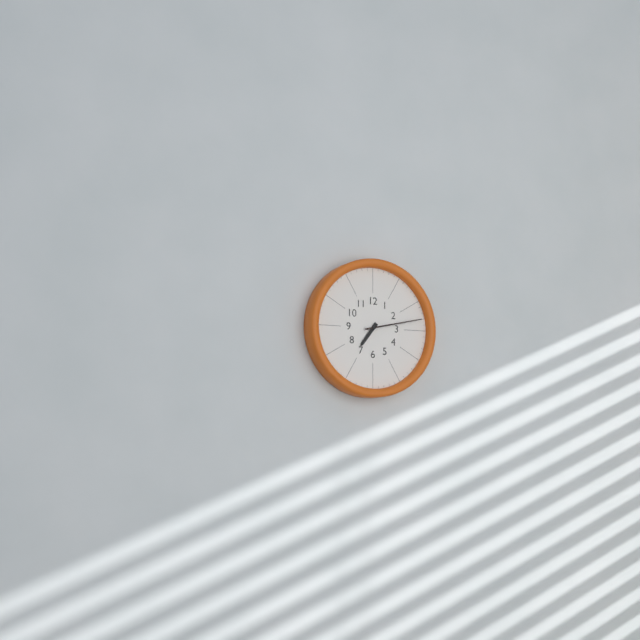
7:13
